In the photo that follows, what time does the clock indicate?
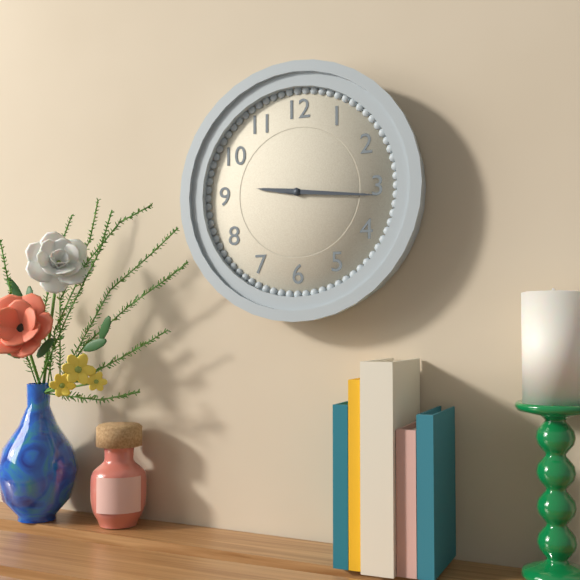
9:16
